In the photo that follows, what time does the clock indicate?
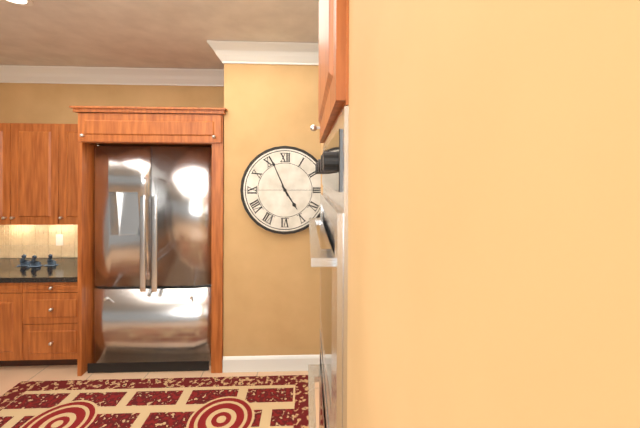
4:56
